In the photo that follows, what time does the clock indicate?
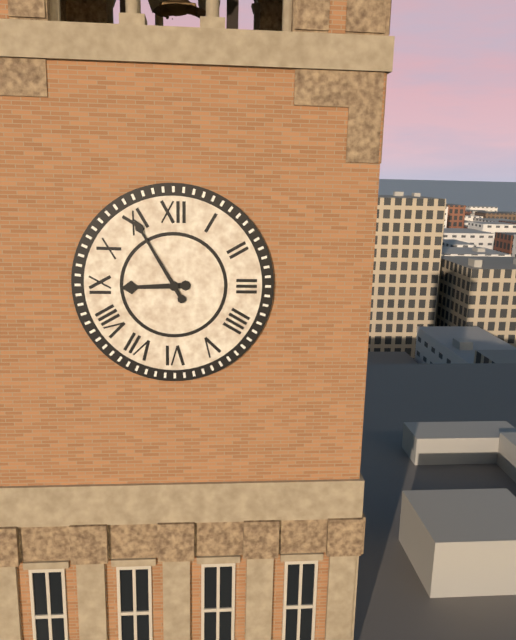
8:55
